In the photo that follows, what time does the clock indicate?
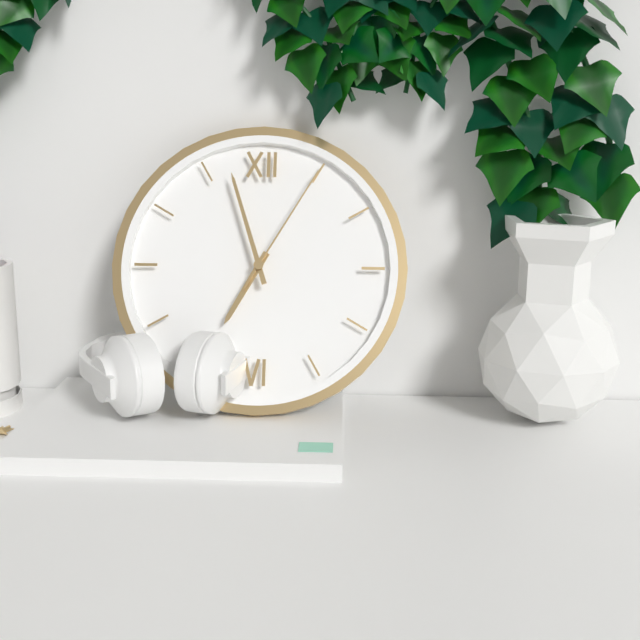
6:57:05
